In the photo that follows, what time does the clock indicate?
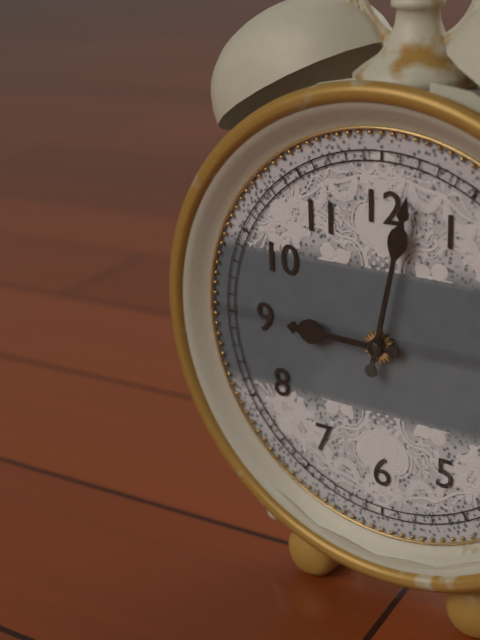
9:02
